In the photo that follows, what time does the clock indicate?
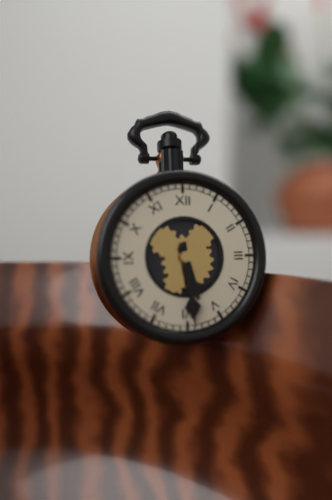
5:29
